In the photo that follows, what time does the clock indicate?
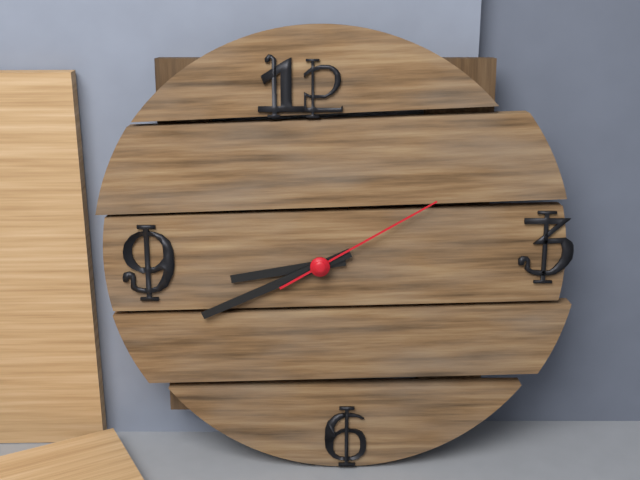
8:41:10
